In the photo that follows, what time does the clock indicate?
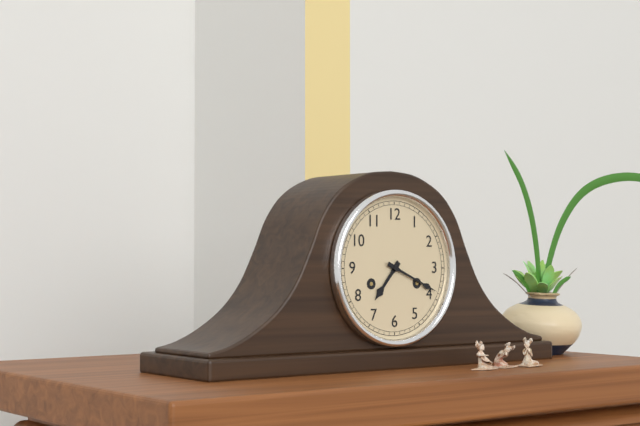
7:19
